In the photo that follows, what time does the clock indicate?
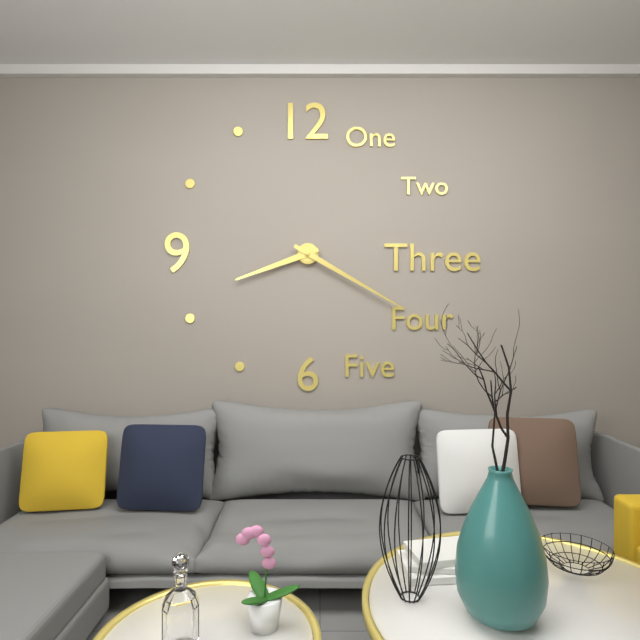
8:20
